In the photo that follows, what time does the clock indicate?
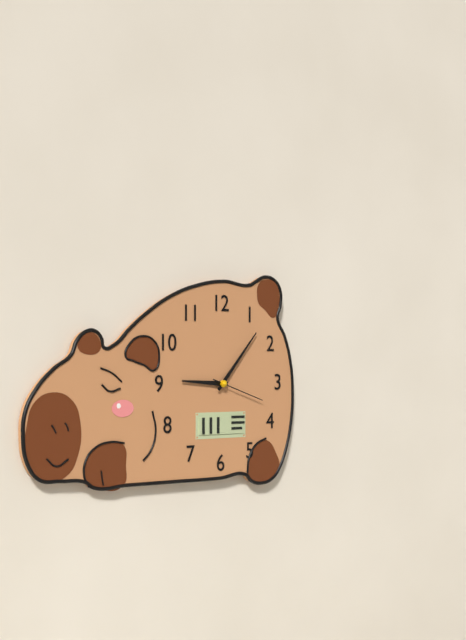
9:07:18
